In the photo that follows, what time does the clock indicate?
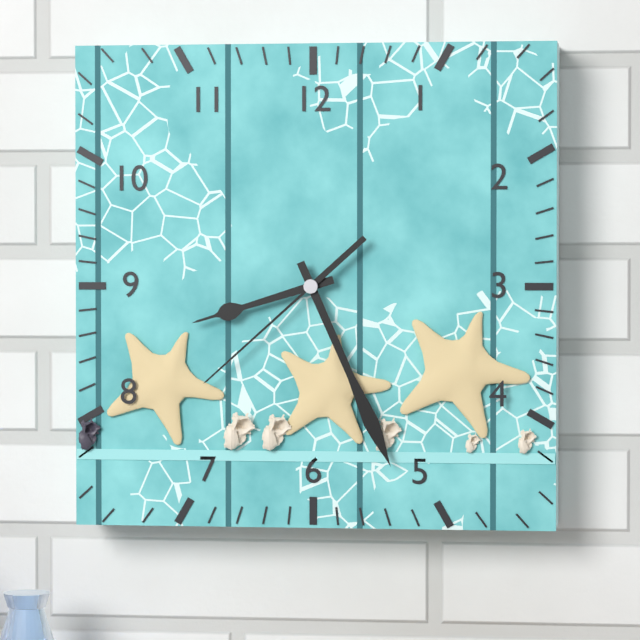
8:26:38
